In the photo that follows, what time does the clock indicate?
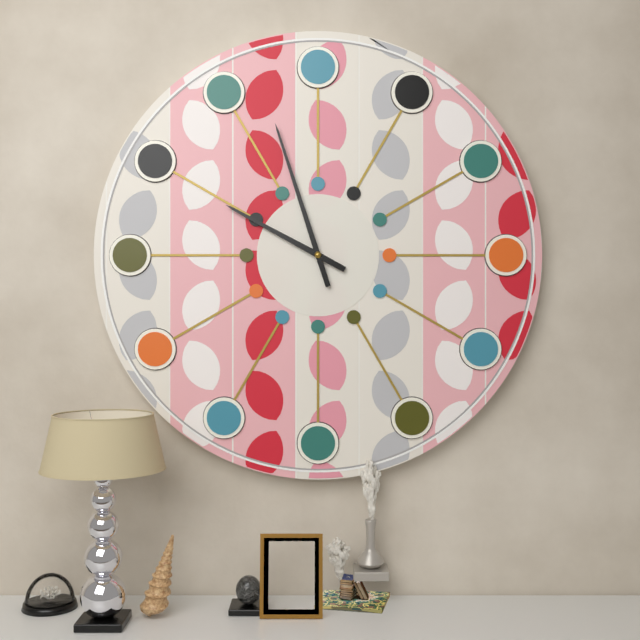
9:57
